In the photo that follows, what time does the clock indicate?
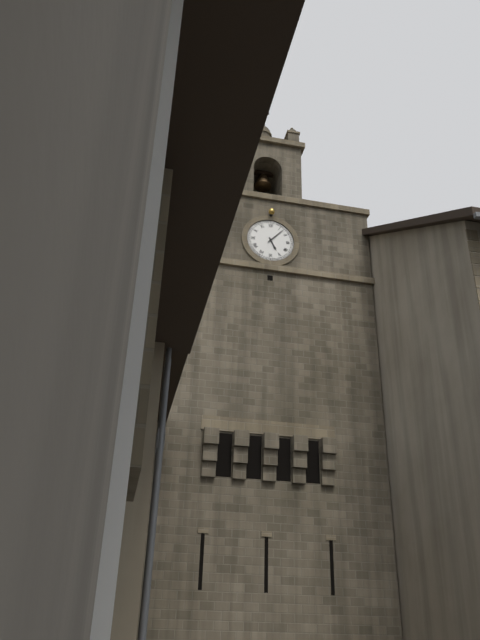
5:07
